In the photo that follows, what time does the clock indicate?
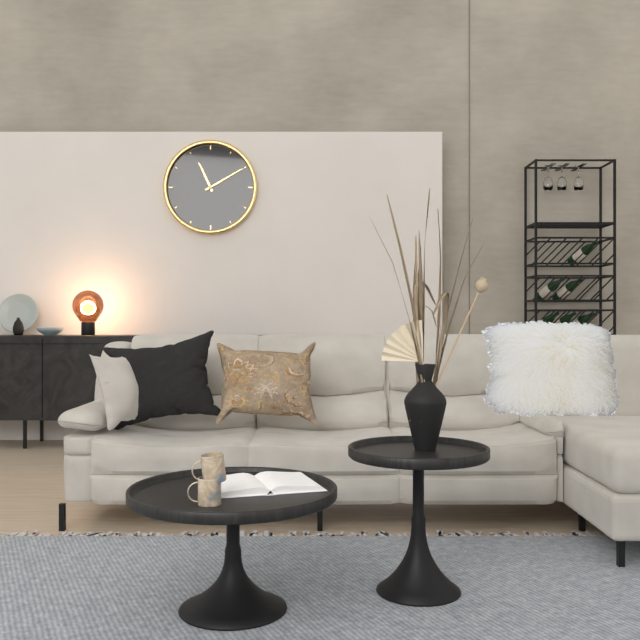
11:10
